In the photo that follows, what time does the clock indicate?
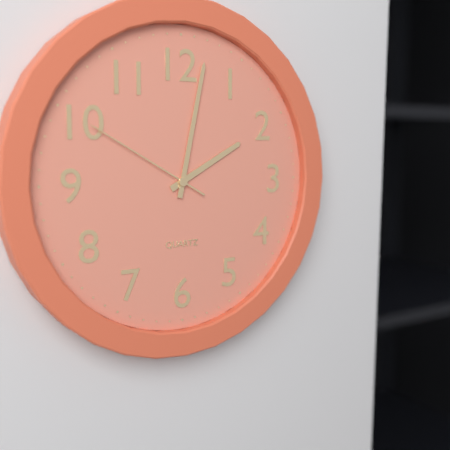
2:02:50
